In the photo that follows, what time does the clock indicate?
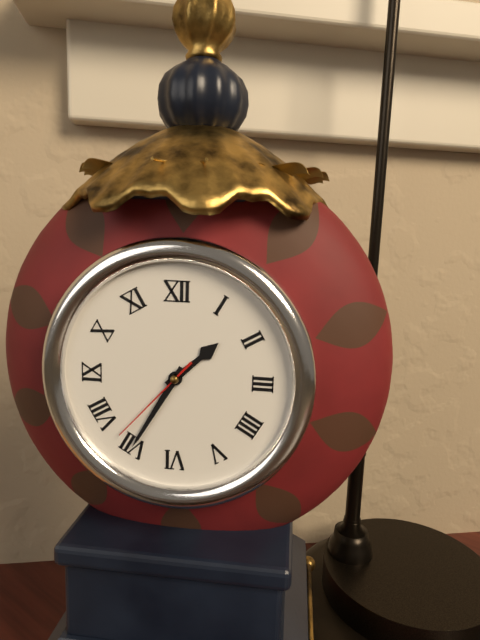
1:35:37
